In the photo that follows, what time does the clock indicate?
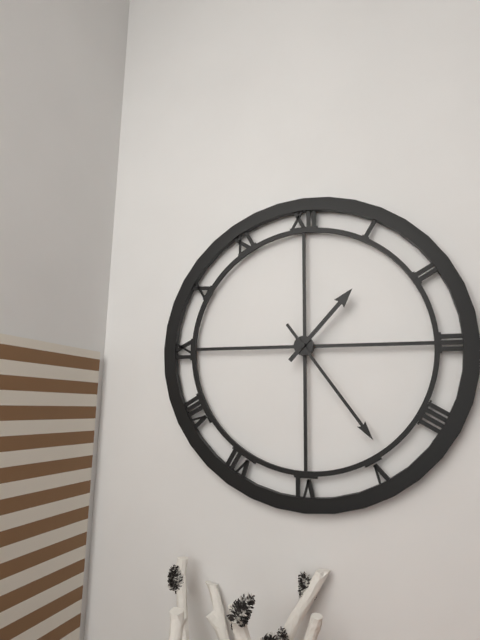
1:24
